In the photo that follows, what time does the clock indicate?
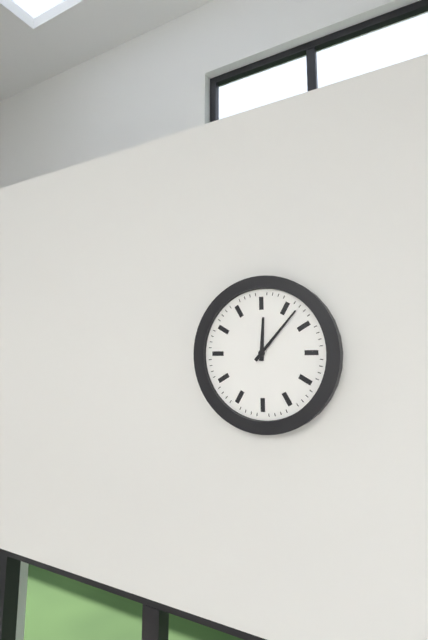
12:07
